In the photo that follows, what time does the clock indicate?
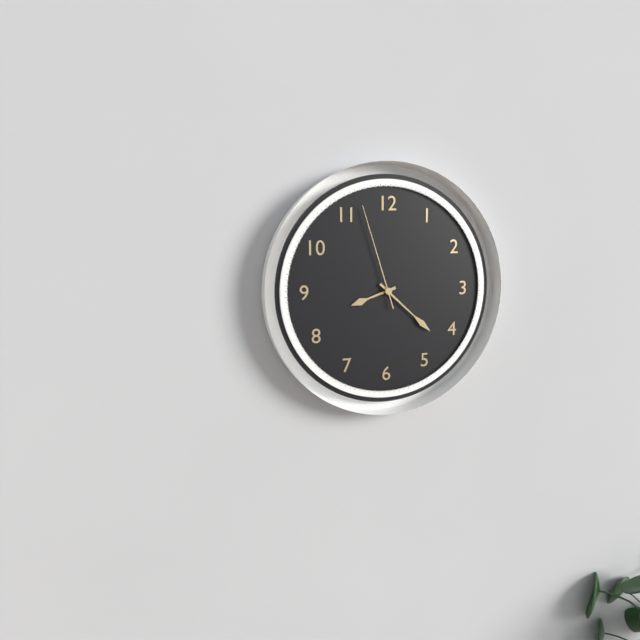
8:22:57
